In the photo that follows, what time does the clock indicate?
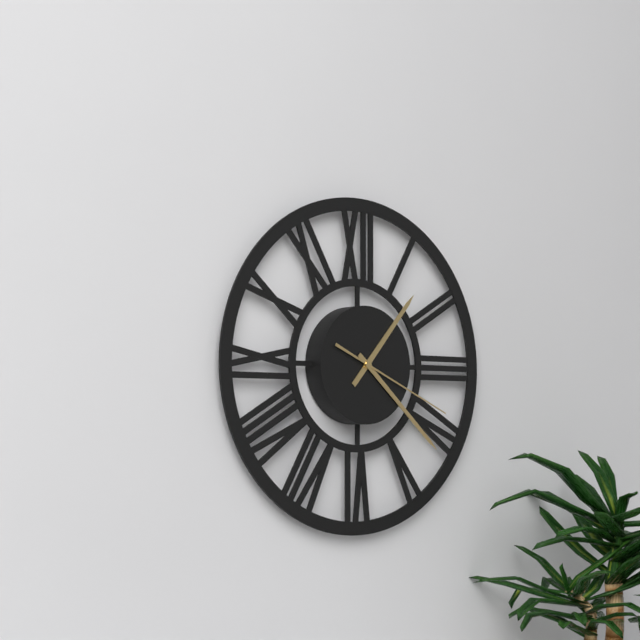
1:22:19
